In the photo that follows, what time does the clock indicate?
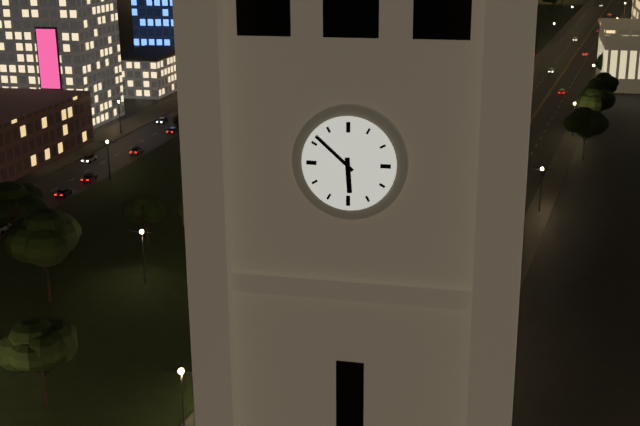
5:52
